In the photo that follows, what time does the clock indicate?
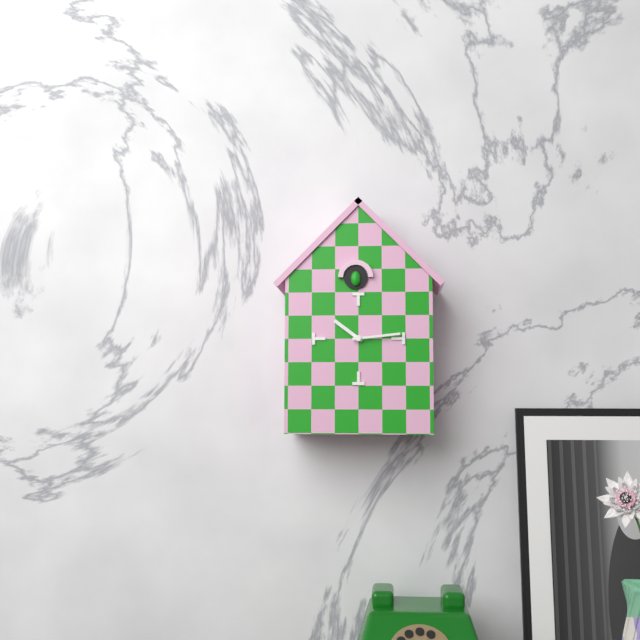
10:14
